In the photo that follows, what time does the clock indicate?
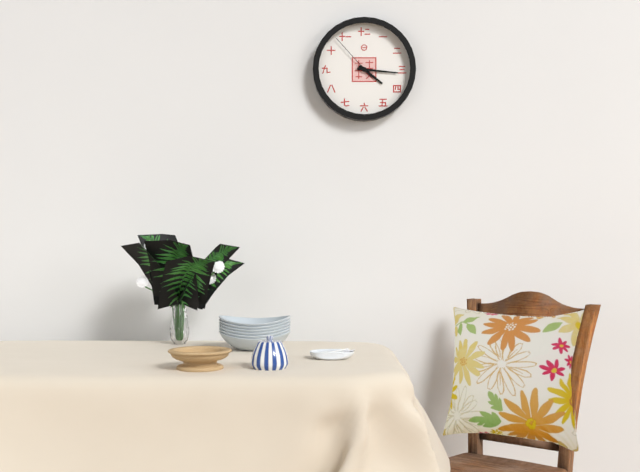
4:16:53
